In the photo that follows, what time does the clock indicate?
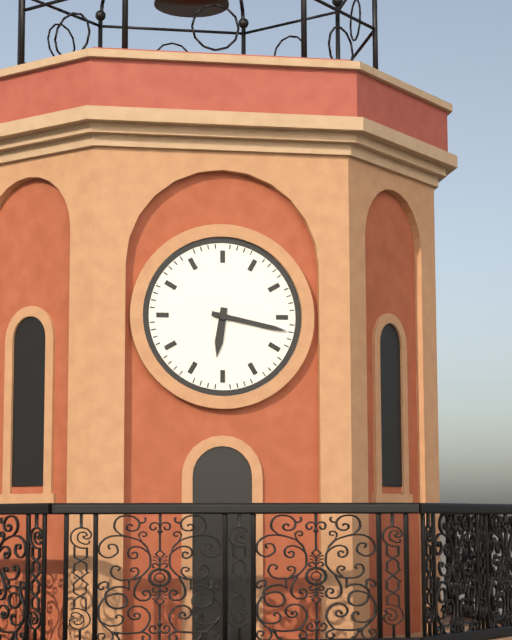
6:17
